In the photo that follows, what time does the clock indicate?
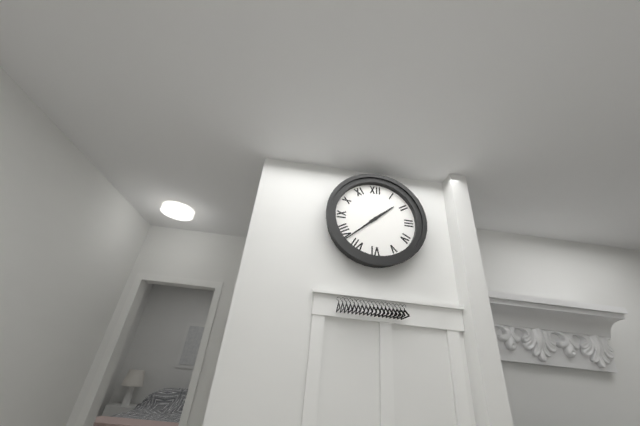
1:38
